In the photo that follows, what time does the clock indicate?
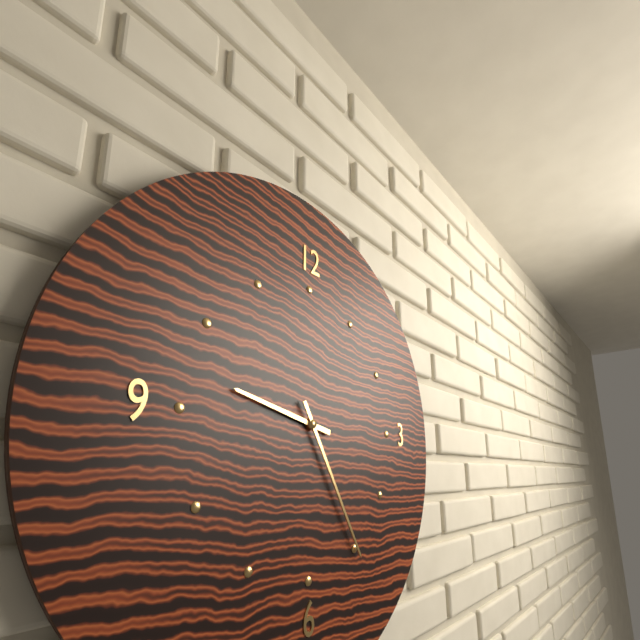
9:25
